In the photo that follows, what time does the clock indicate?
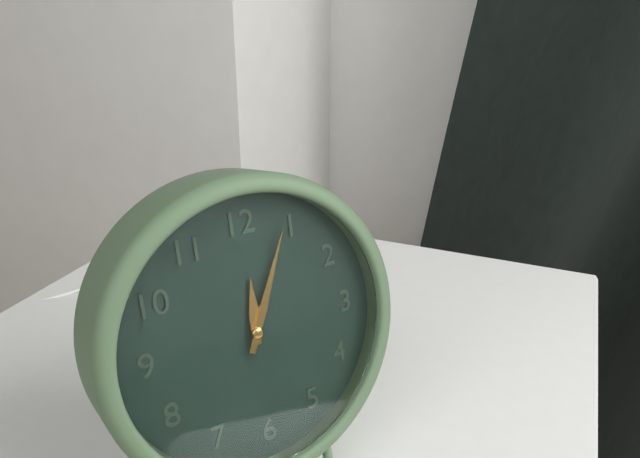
12:04
